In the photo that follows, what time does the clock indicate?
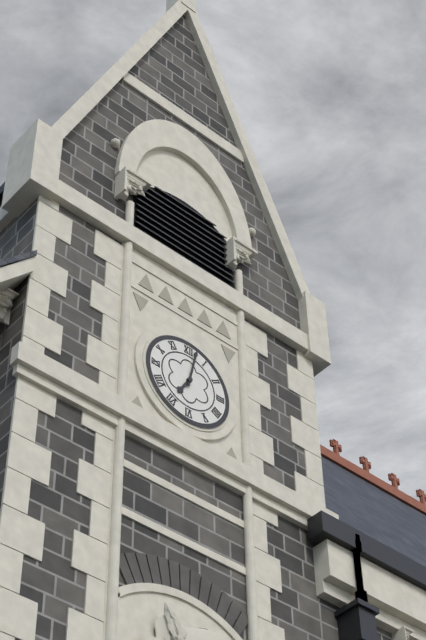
7:02
